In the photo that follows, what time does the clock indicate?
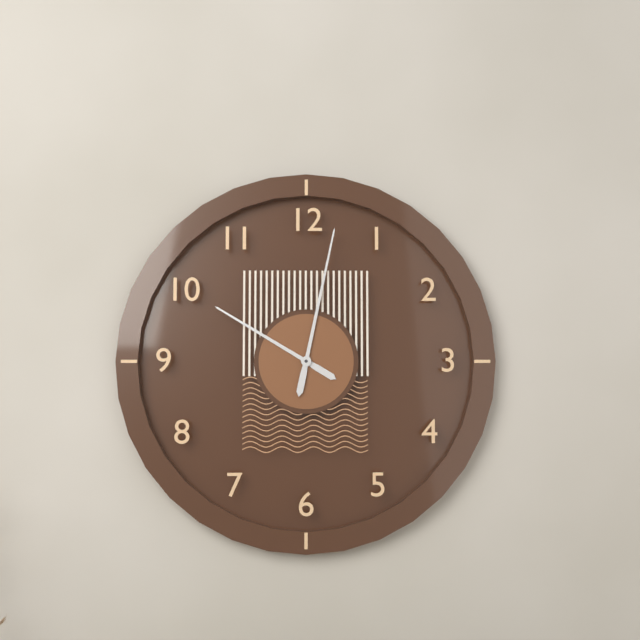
10:02
